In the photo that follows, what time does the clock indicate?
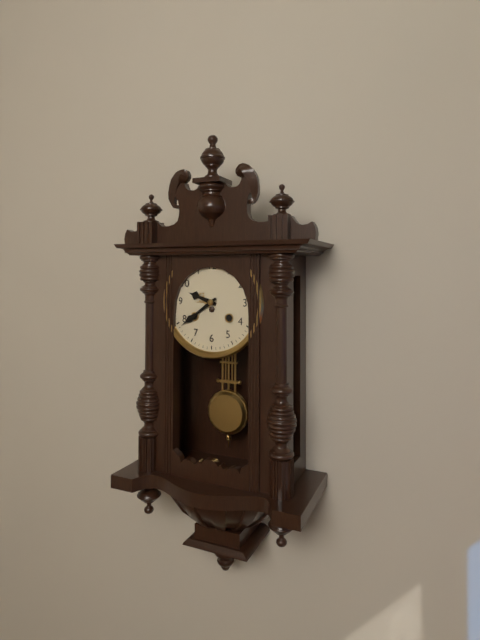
9:39
